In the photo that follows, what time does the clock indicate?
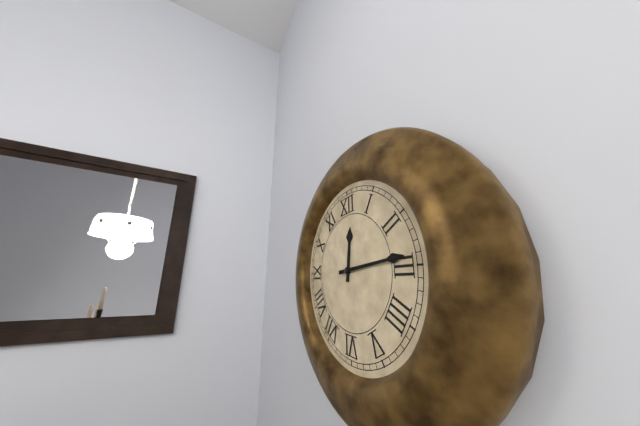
12:14
